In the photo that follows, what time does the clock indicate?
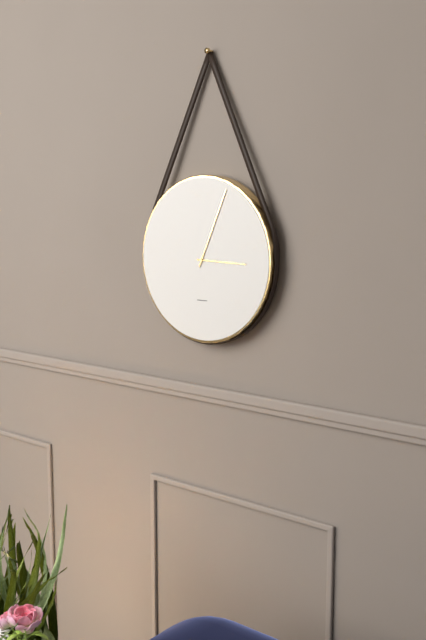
3:04
